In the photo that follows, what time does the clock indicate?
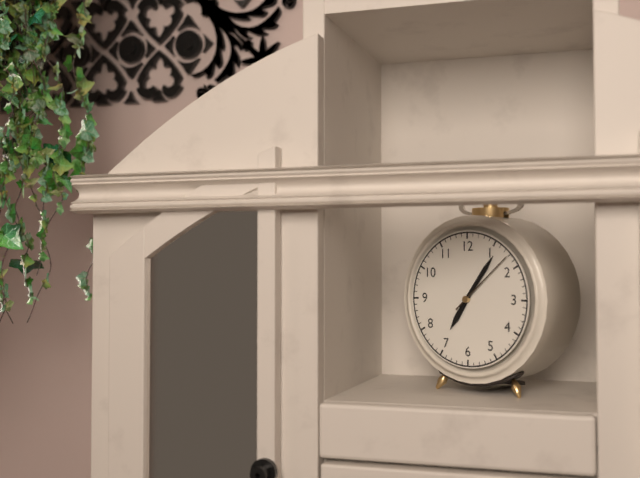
7:06:08
